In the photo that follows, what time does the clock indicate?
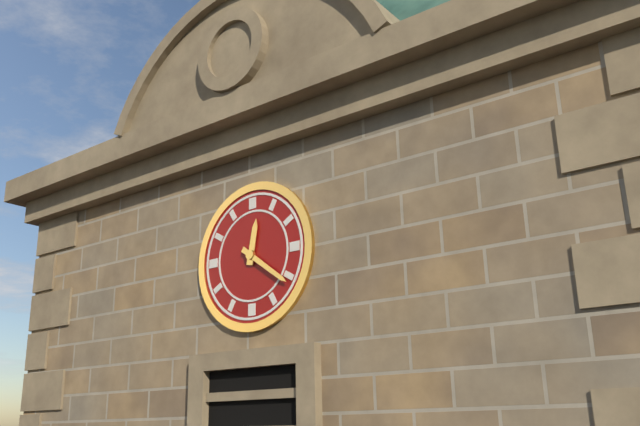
12:21
